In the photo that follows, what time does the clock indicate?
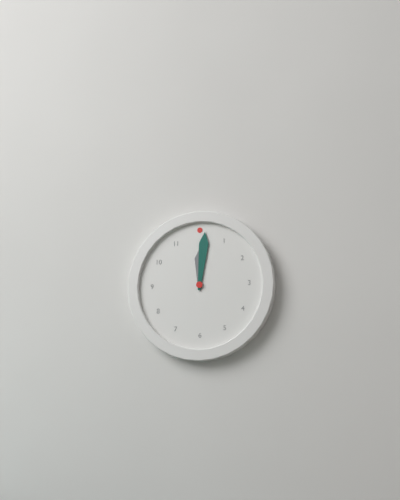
12:01
